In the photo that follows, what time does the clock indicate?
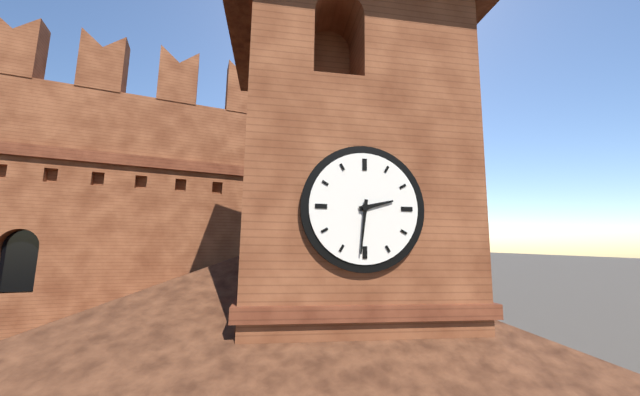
2:31
